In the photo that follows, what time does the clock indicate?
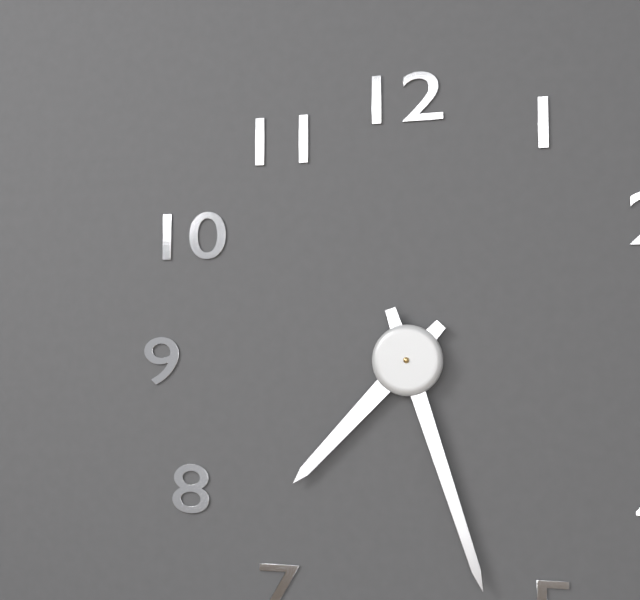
7:27
